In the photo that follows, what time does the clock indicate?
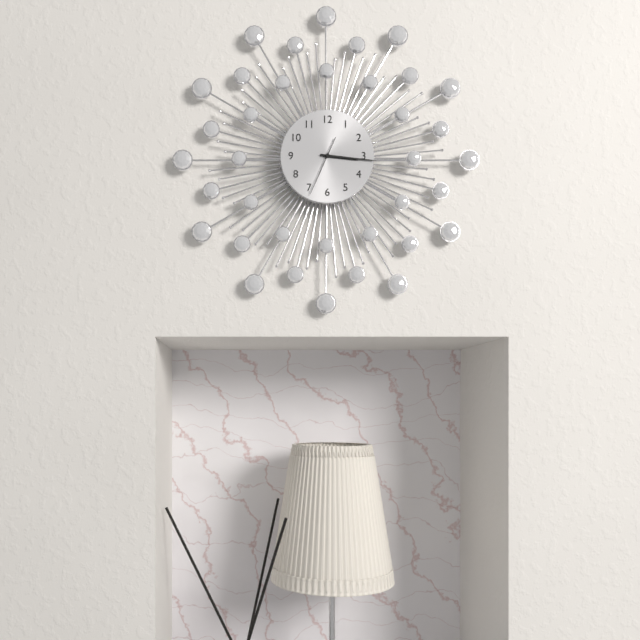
3:16:34
